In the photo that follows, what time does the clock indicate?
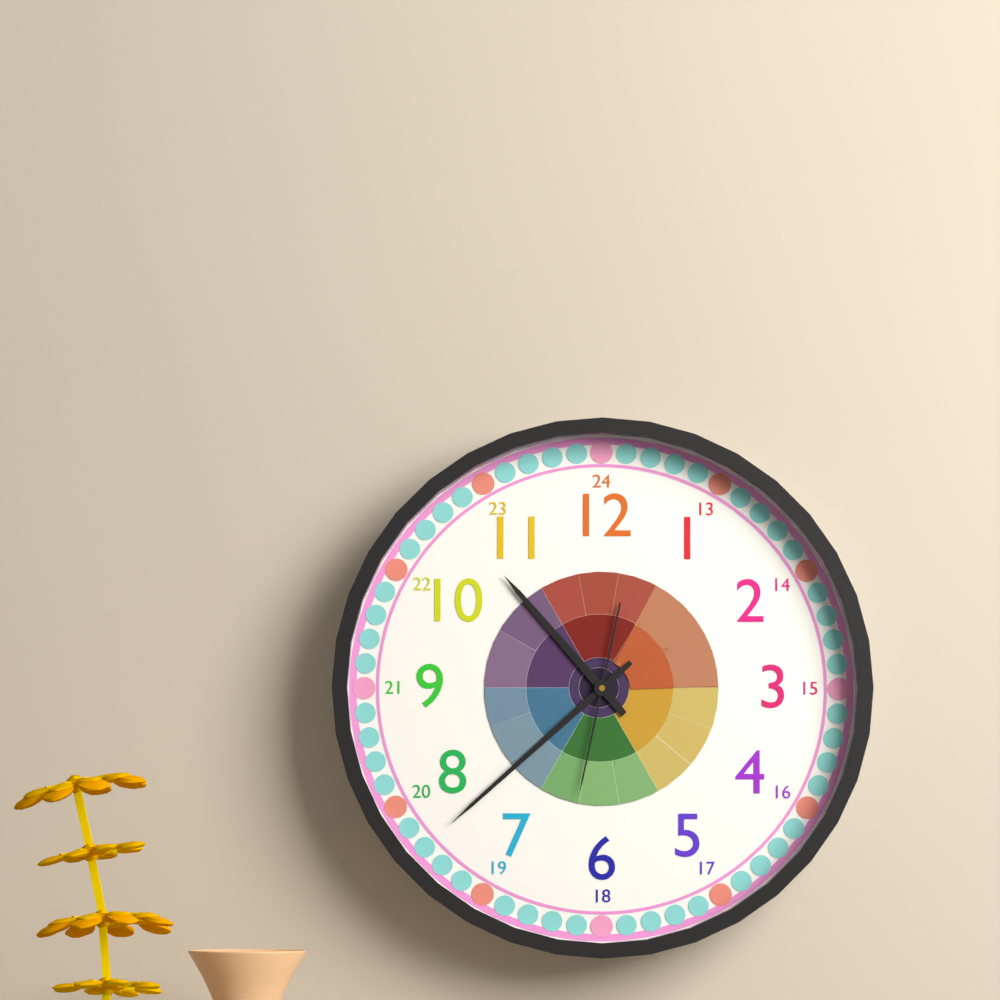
10:38:32
